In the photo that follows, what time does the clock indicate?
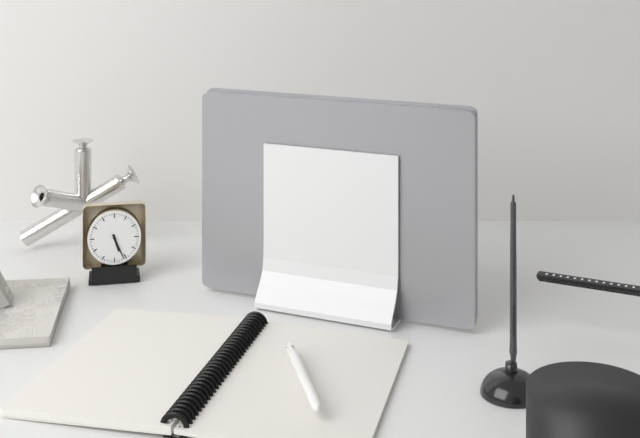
5:26
